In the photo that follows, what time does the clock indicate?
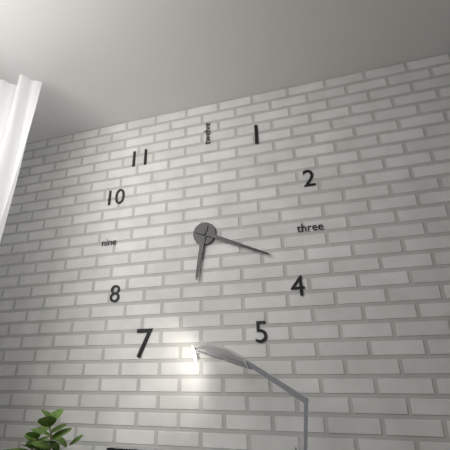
6:19
